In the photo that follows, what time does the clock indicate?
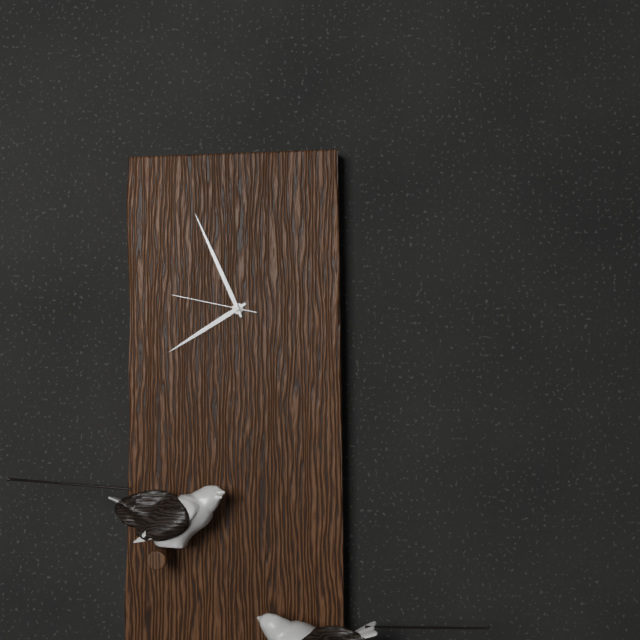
7:56:47
